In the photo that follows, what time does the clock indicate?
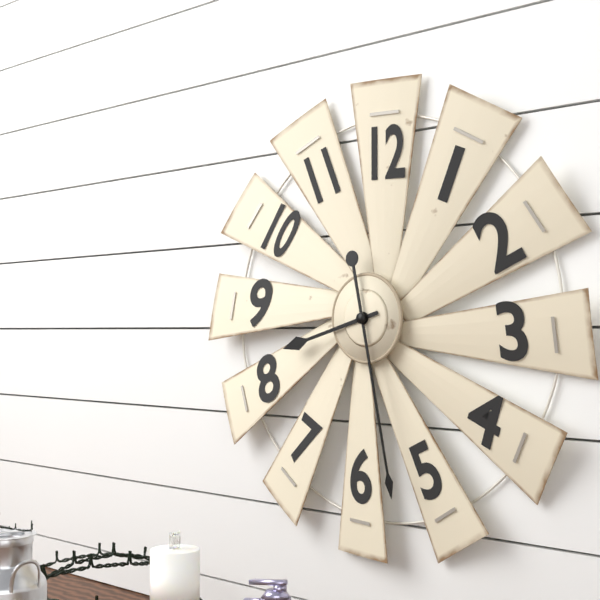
8:28
